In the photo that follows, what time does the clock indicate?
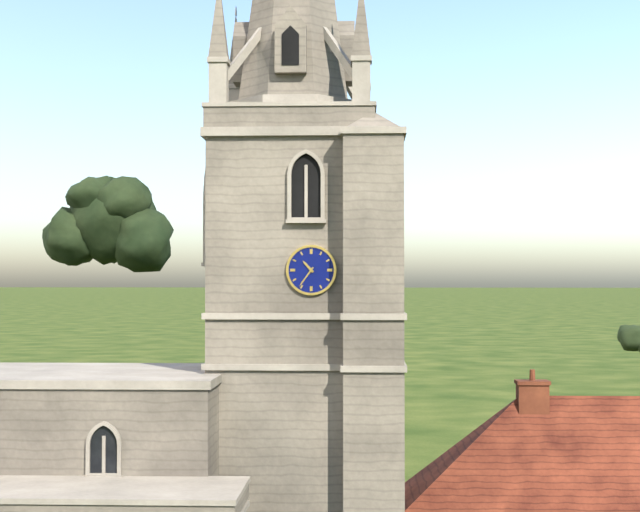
10:36
